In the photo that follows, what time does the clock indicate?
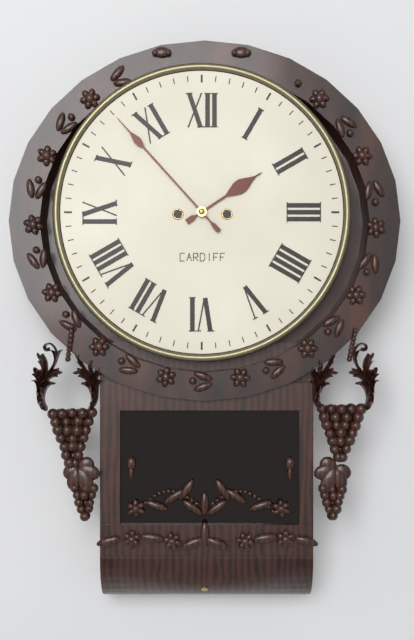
1:53
